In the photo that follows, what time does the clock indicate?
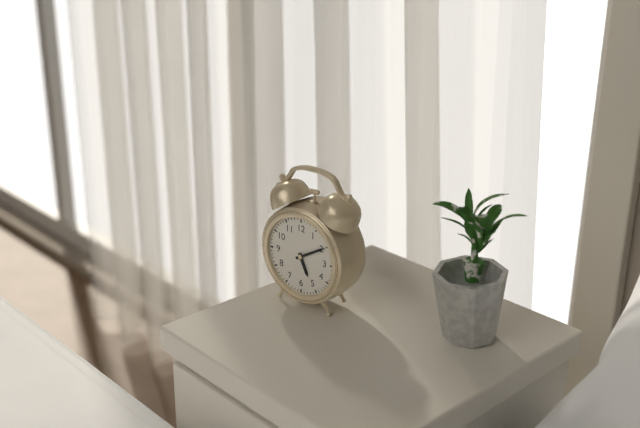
5:10
